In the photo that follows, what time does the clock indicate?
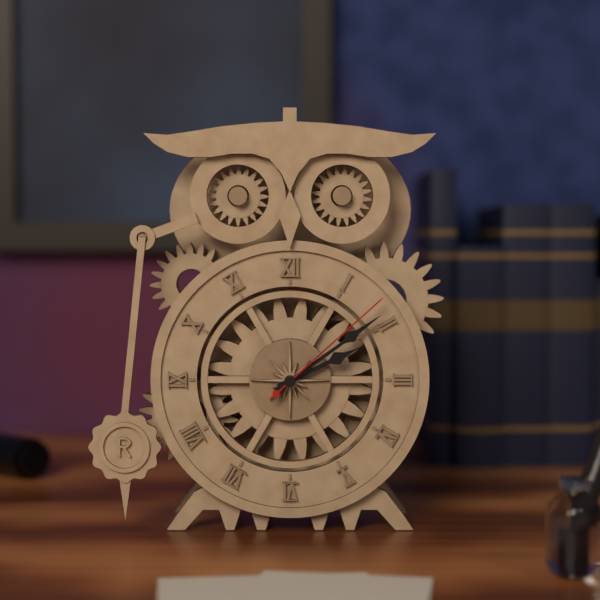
2:09:08
